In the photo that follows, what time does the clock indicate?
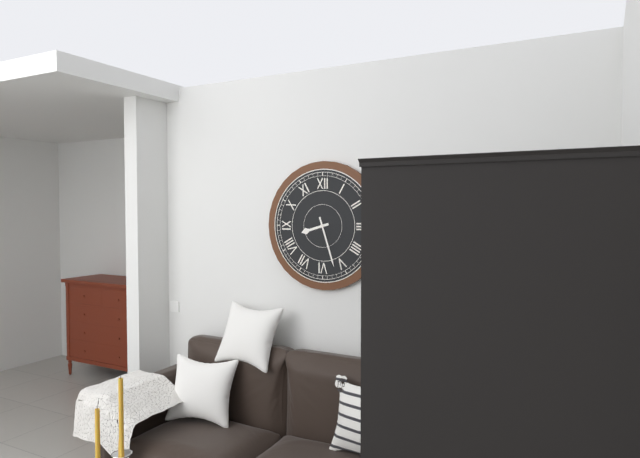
8:27
